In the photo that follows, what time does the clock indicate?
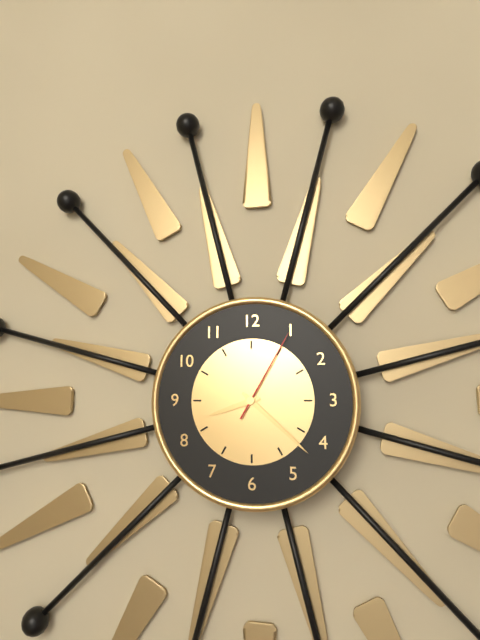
8:22:05
